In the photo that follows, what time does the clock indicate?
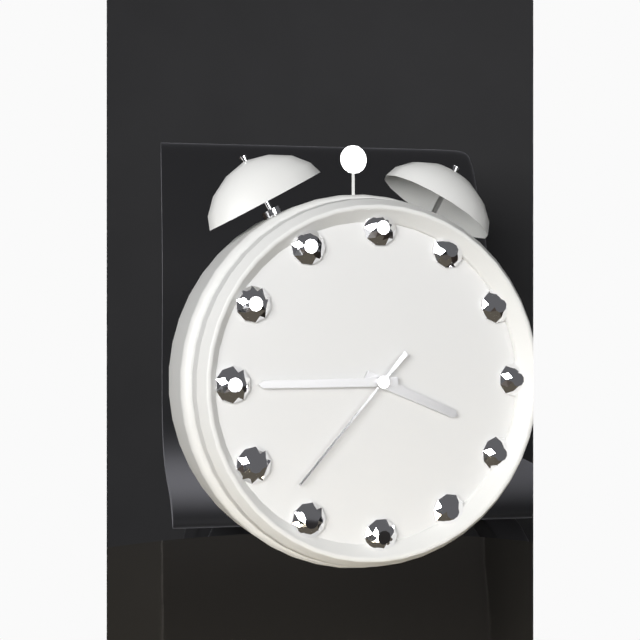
3:45:37
